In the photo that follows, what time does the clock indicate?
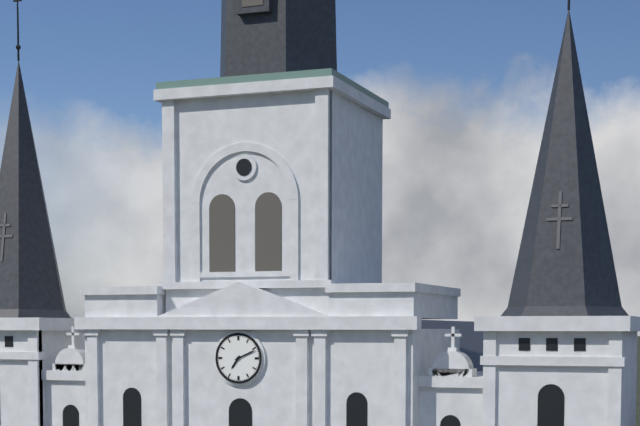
7:11
